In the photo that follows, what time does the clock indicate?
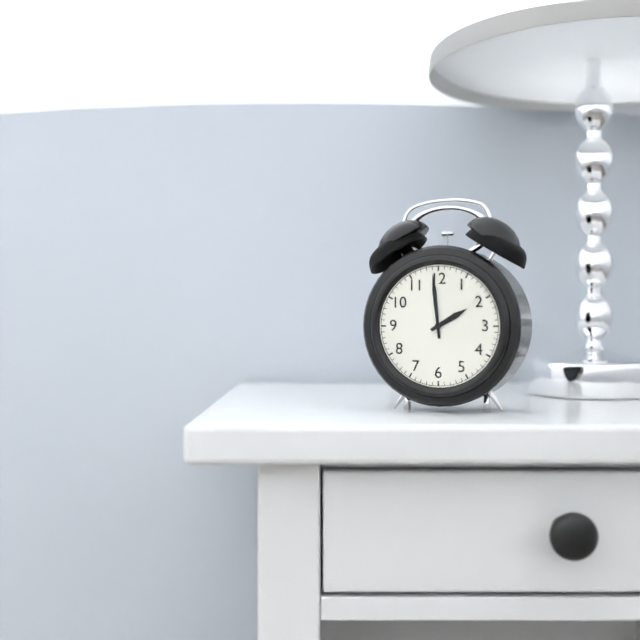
1:59
